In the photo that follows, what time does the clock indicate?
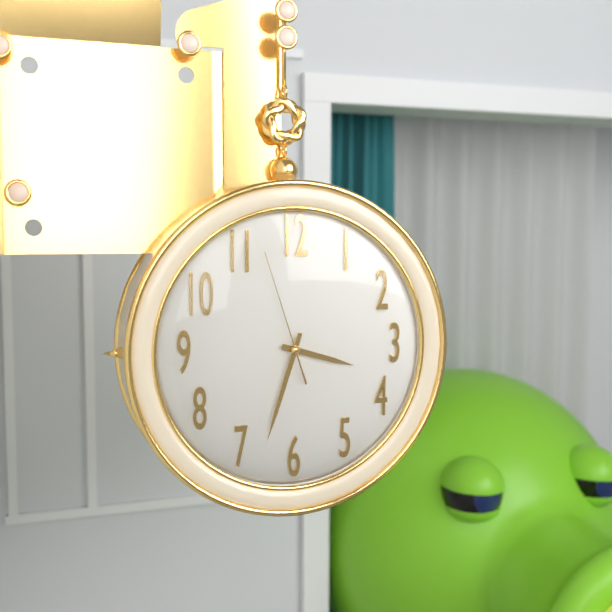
3:33:57
